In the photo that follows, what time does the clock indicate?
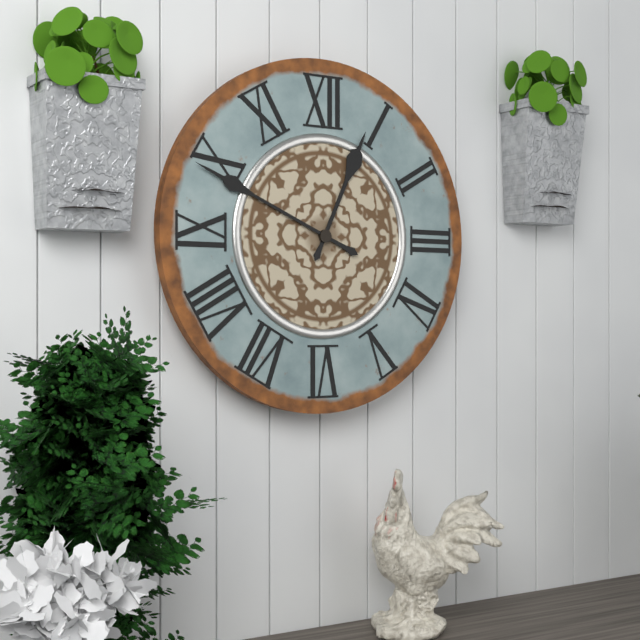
12:49
